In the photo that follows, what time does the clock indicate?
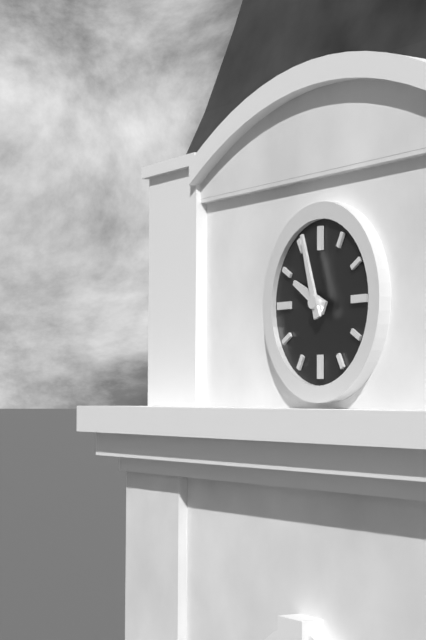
9:57
